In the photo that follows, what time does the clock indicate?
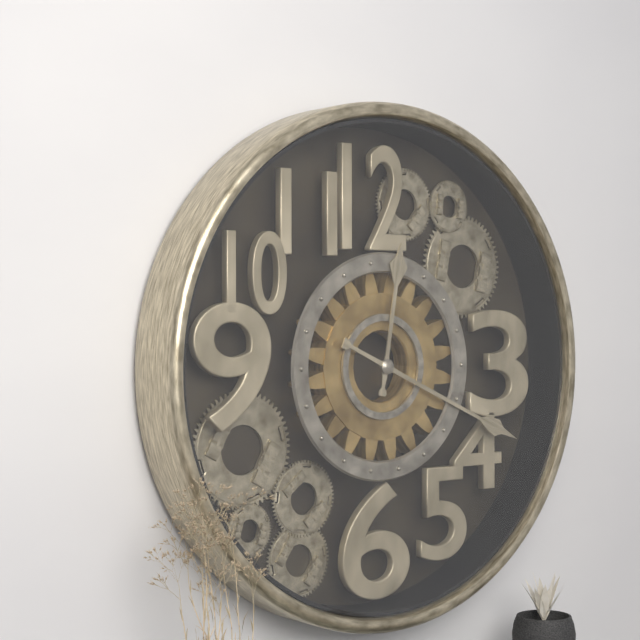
12:19
